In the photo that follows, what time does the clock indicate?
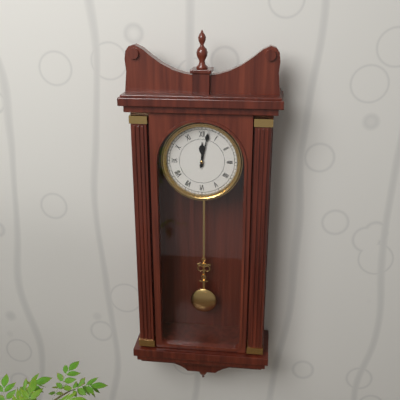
12:02
